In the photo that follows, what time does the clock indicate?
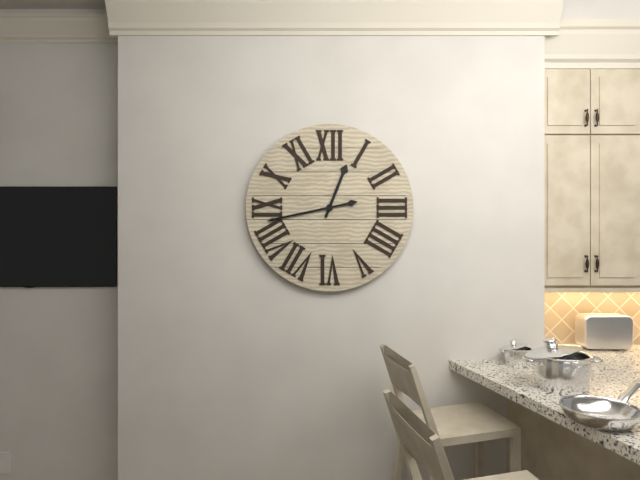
12:43
